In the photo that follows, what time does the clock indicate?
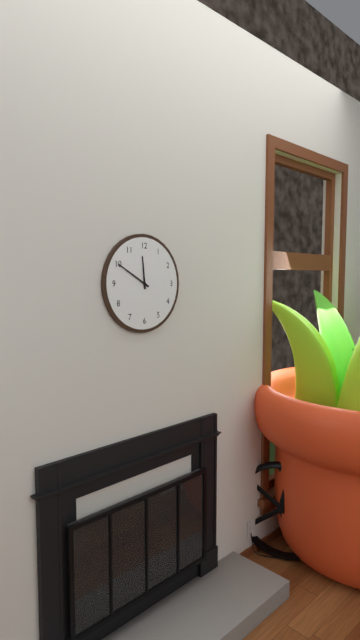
11:50
